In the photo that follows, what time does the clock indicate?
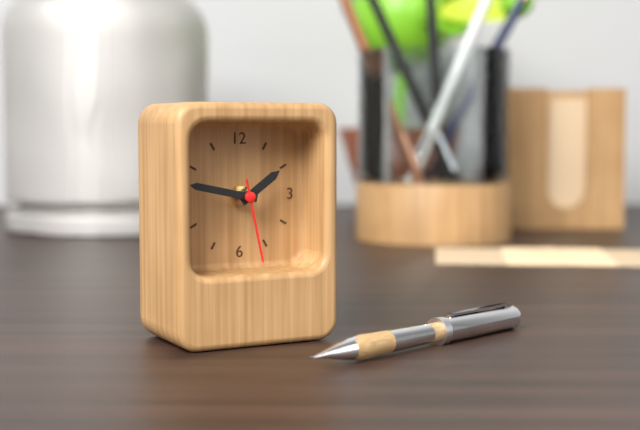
1:47:28
